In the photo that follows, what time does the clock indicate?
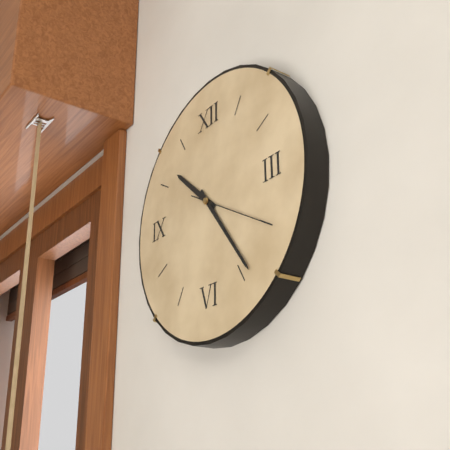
10:24:20
